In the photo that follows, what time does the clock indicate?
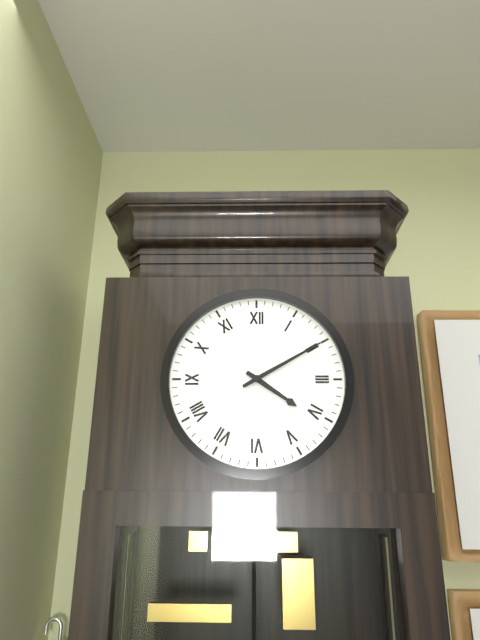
4:10
